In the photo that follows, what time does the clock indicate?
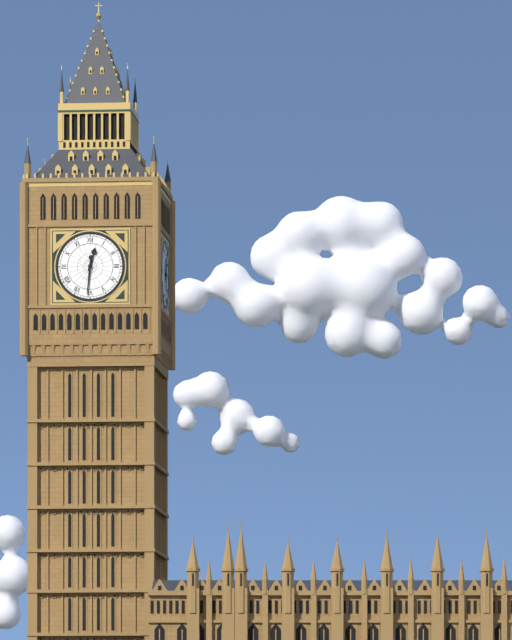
12:31
